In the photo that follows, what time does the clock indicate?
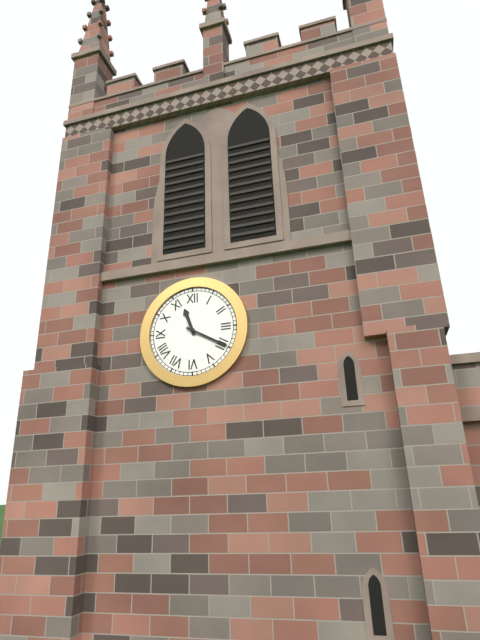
11:20
